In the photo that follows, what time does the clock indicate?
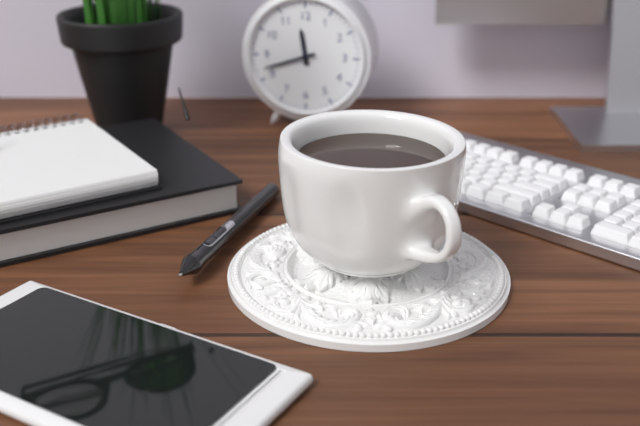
11:42
